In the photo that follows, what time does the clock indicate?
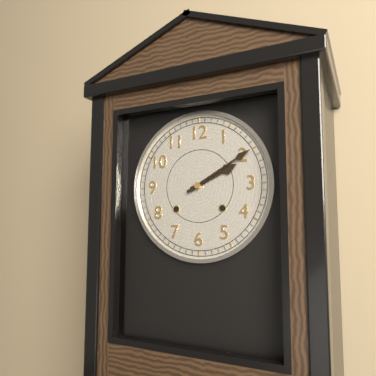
2:10
